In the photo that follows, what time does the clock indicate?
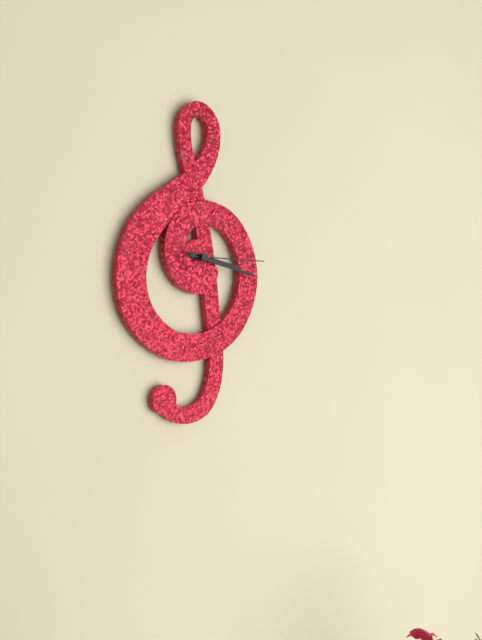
3:17:15
